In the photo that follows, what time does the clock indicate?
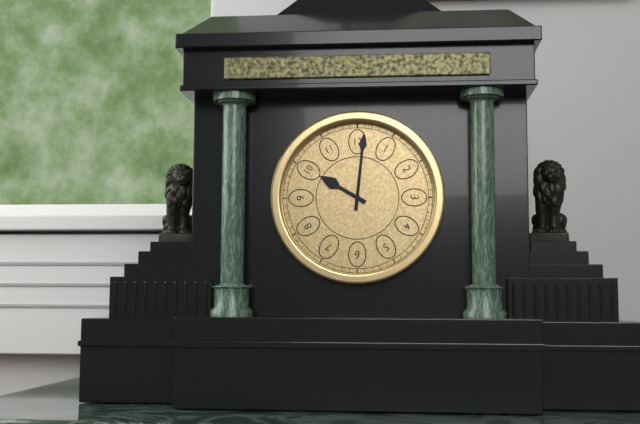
10:01
